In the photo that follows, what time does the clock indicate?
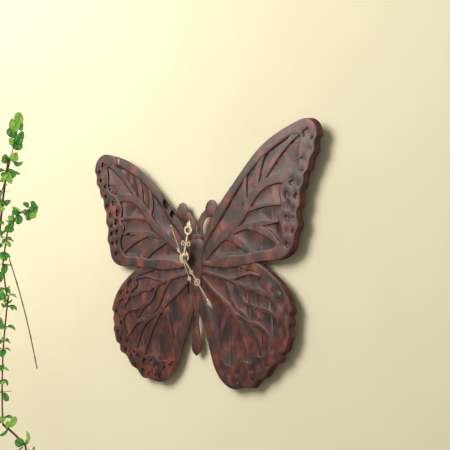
12:24
